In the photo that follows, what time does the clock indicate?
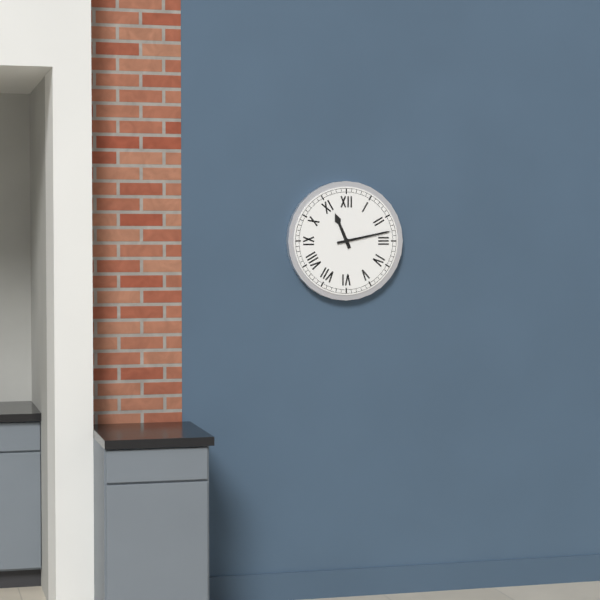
11:13
